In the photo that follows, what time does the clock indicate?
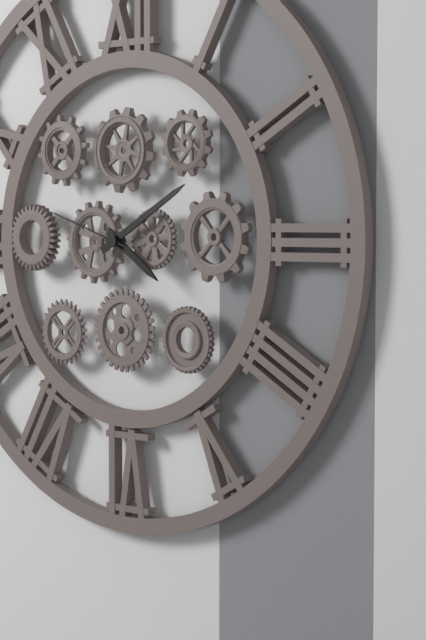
4:10:48
